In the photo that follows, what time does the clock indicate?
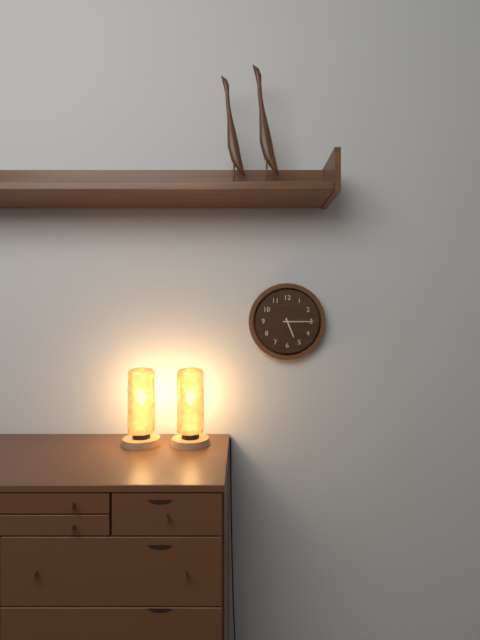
5:15
